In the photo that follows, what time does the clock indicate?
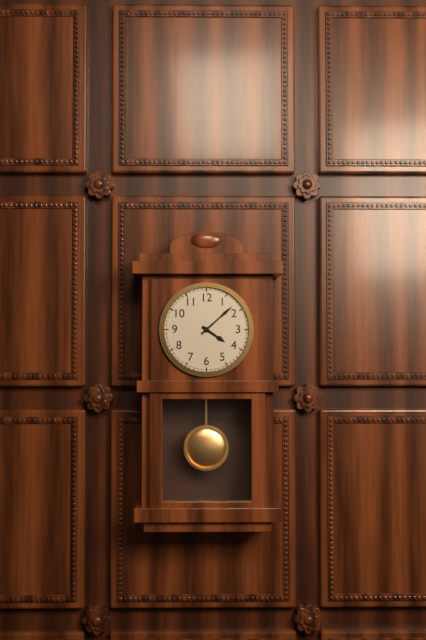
4:08
